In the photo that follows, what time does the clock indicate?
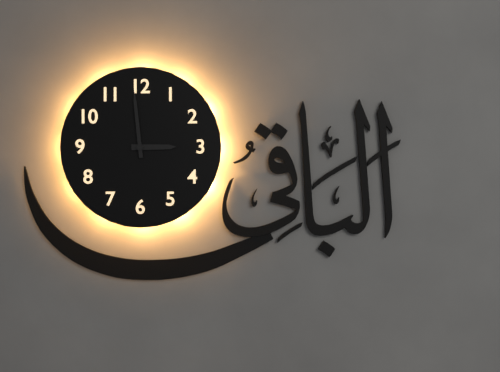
2:59
